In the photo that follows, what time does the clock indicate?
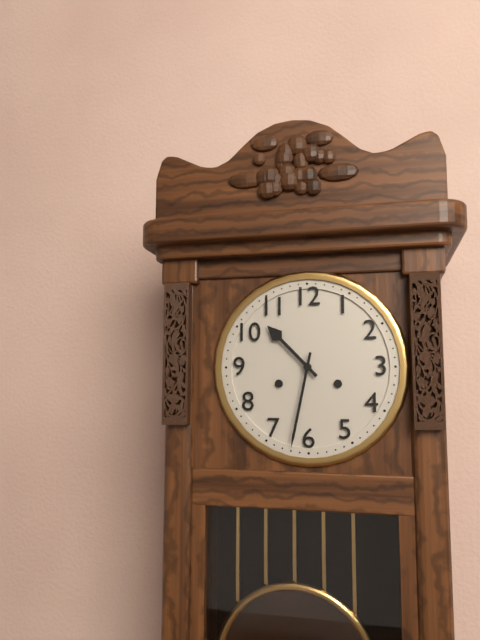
10:32
